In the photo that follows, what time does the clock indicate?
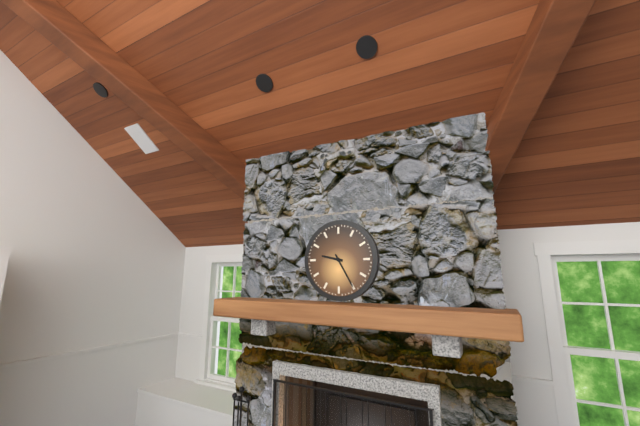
9:25
